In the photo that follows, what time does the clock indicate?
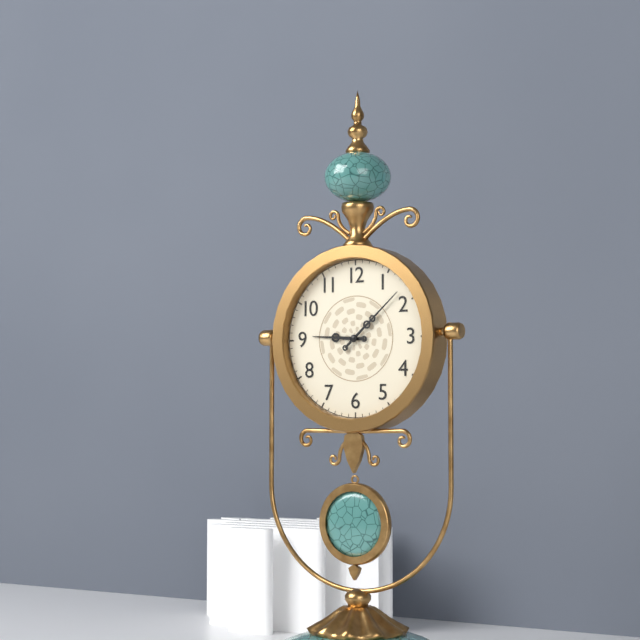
9:08
